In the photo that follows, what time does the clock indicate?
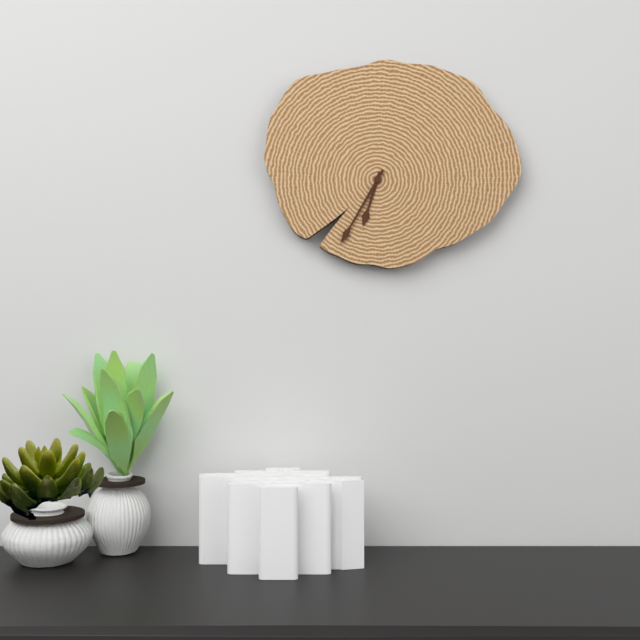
6:35
